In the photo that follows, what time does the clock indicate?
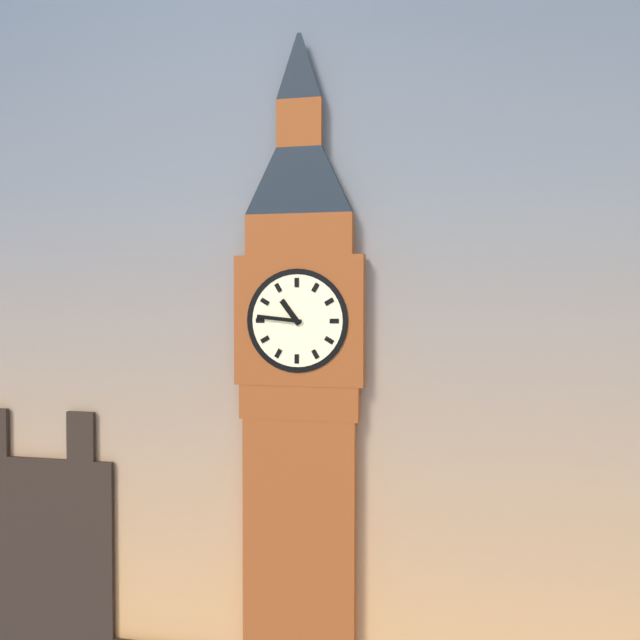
10:46
